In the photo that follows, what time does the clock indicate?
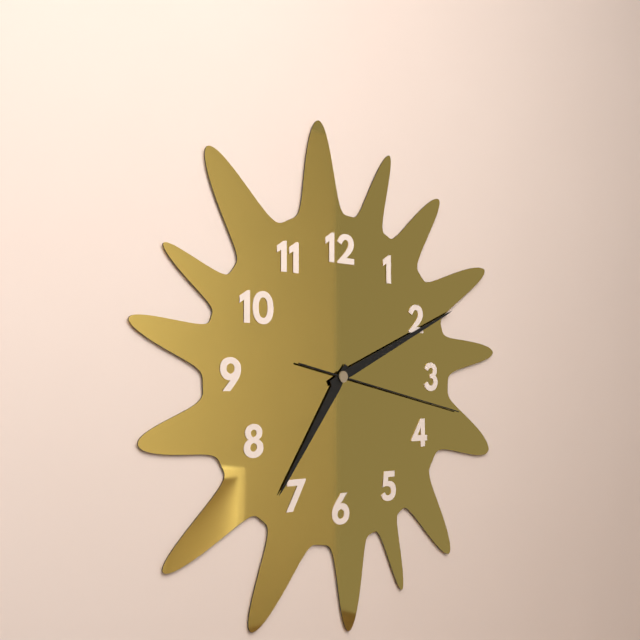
7:11:17
